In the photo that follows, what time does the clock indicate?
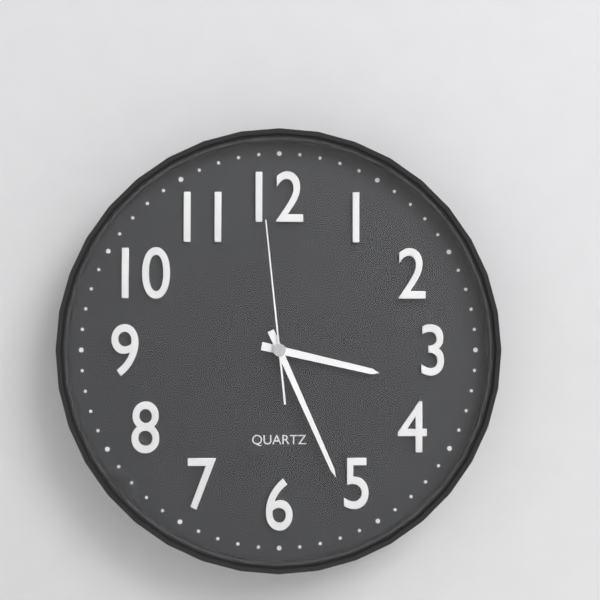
3:26:59
